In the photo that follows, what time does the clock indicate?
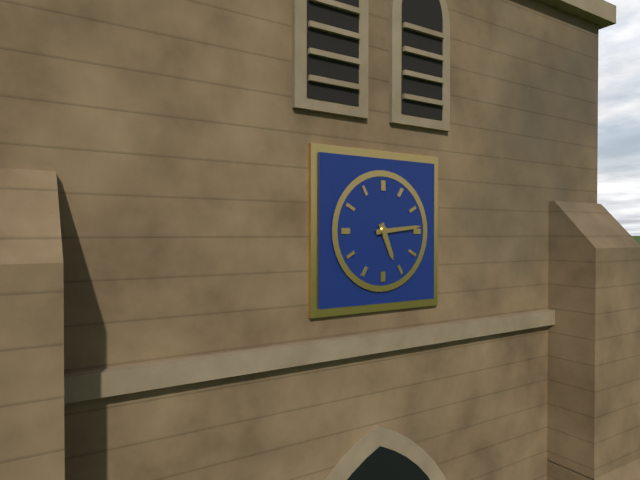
5:14
